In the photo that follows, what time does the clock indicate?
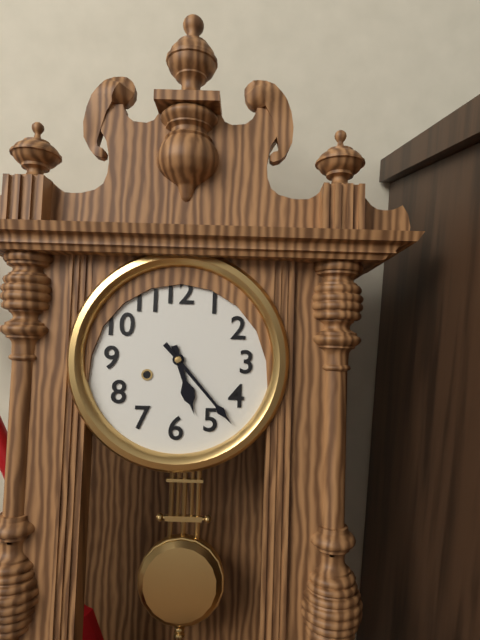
5:23
